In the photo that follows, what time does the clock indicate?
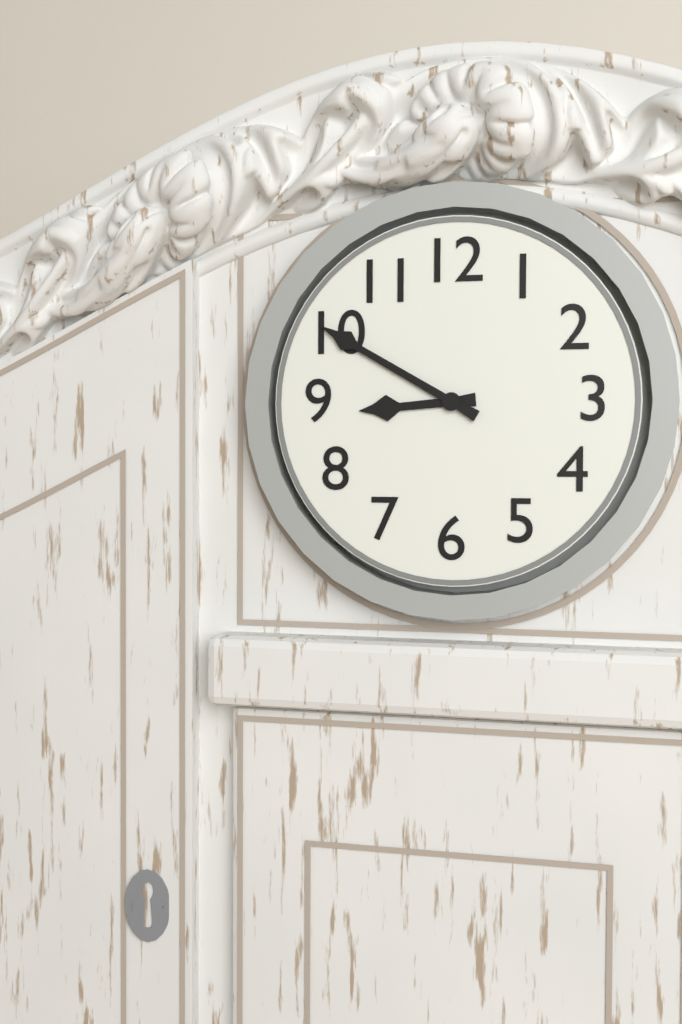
8:50
